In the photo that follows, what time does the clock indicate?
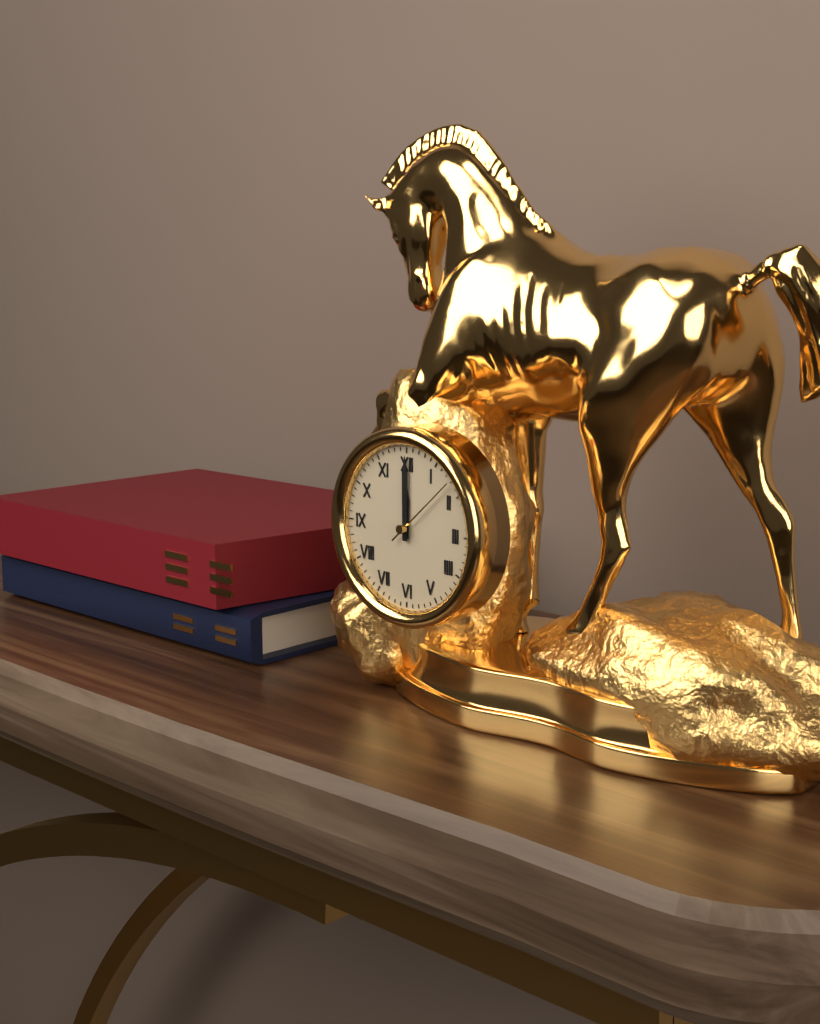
12:00:08
